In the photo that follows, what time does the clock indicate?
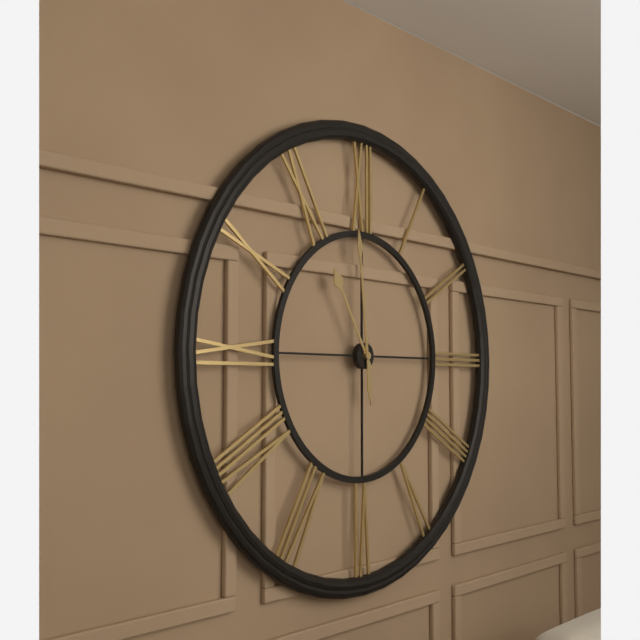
10:59
